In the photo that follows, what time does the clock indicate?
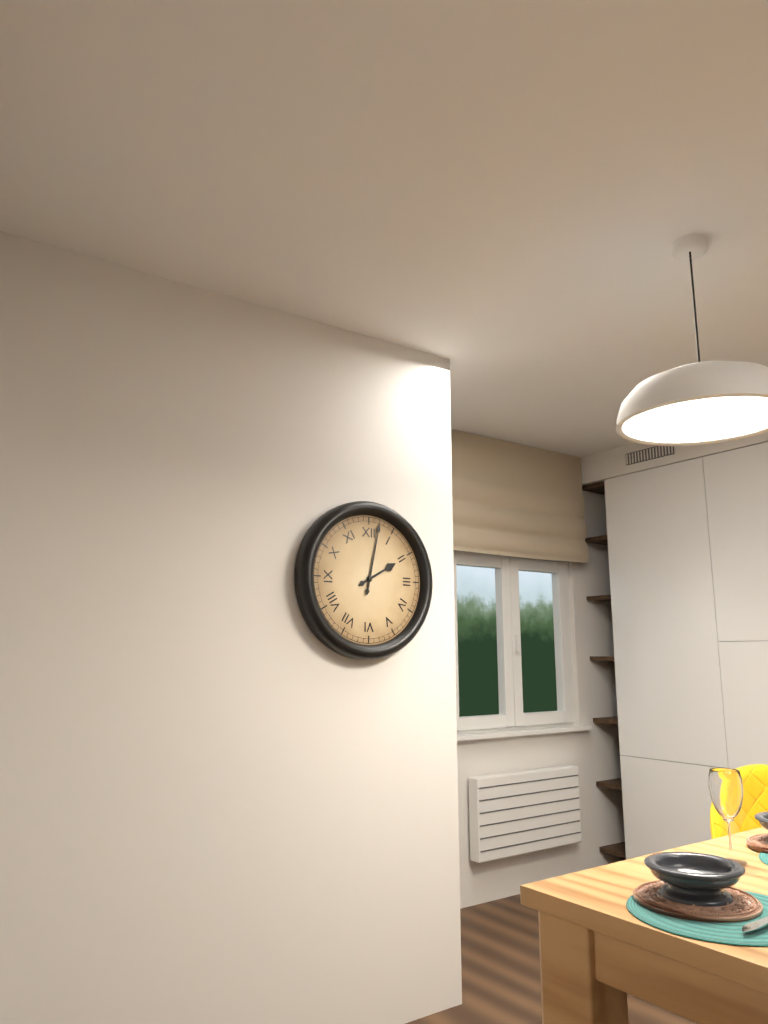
2:02
